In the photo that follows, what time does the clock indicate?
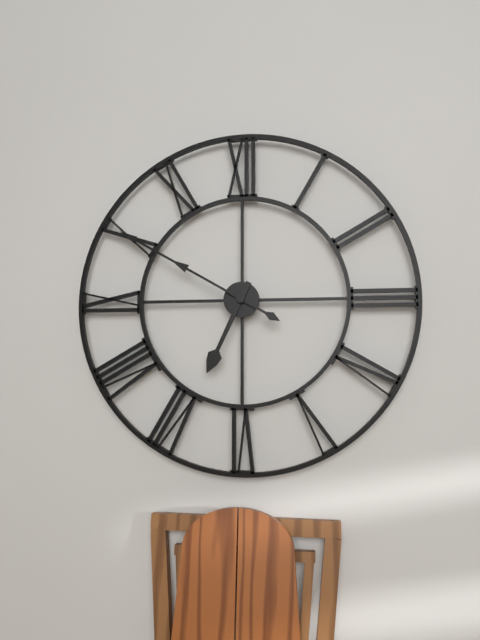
6:50
